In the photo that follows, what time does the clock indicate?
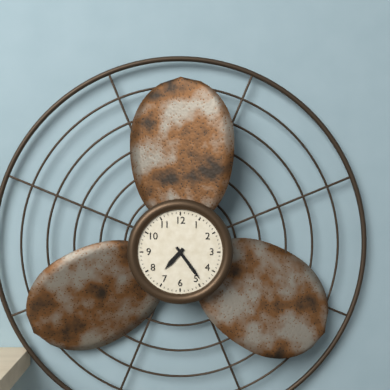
7:24
